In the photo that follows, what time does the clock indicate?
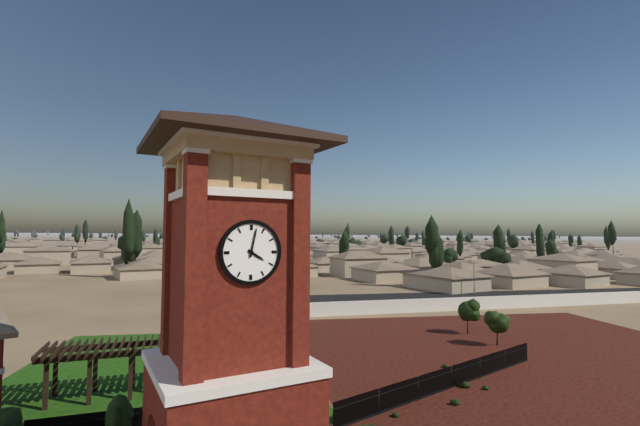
4:02
